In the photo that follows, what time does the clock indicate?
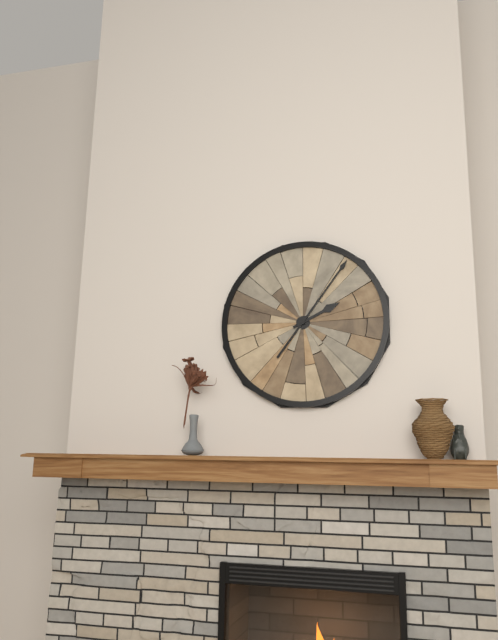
2:06
